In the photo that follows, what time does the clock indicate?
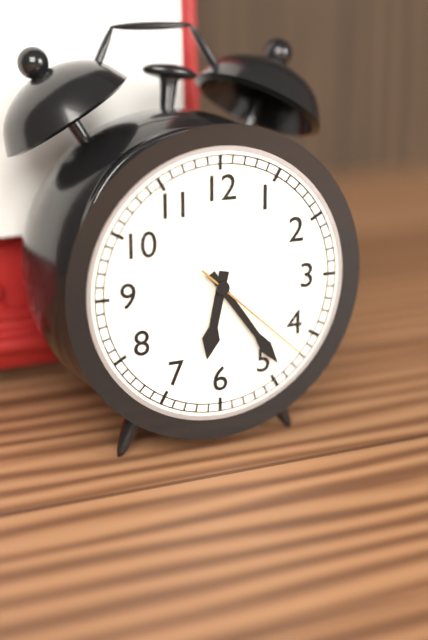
6:24:22
